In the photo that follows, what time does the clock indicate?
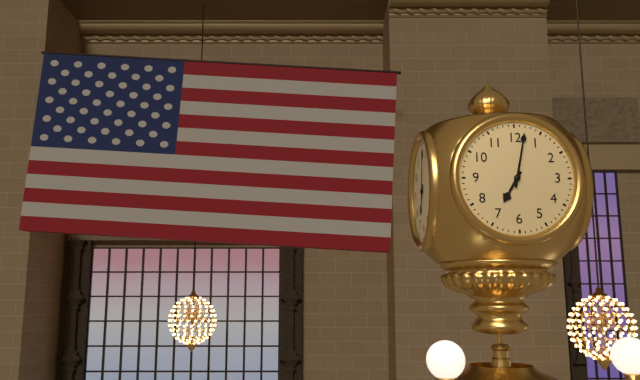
7:02
